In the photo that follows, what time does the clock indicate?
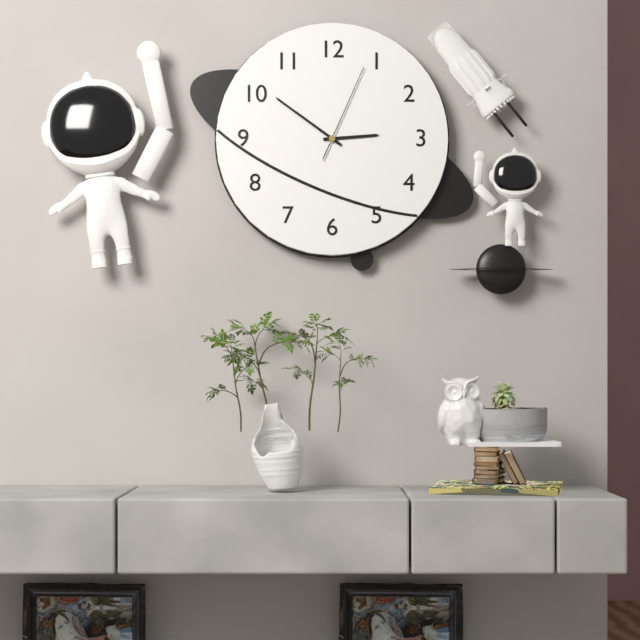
2:51:04
